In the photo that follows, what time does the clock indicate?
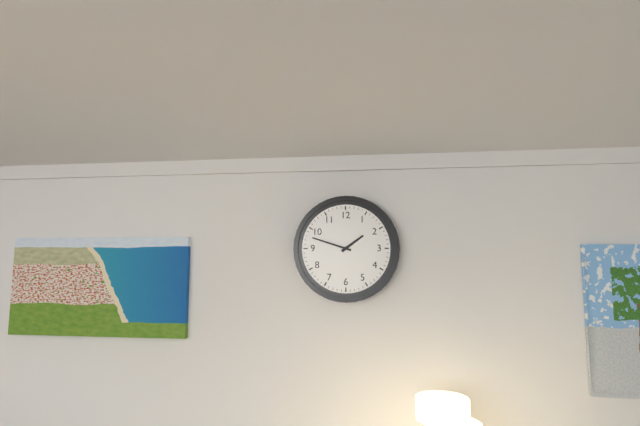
1:48
